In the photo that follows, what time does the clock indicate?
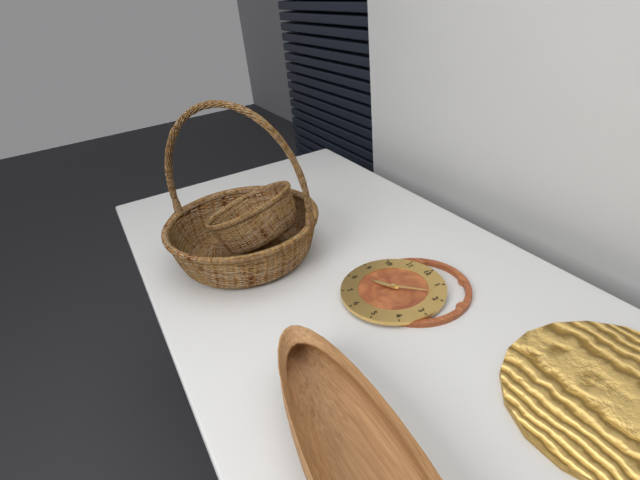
8:08
